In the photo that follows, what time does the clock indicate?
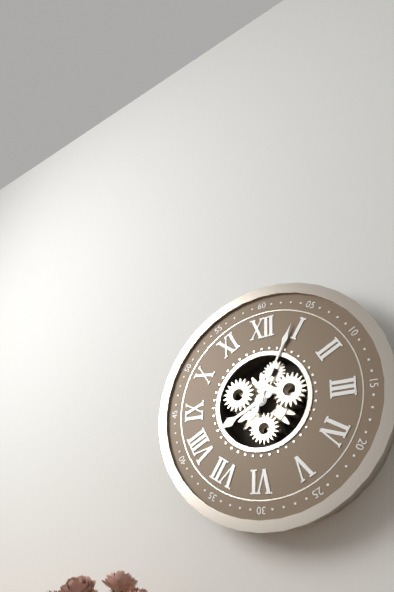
8:04
